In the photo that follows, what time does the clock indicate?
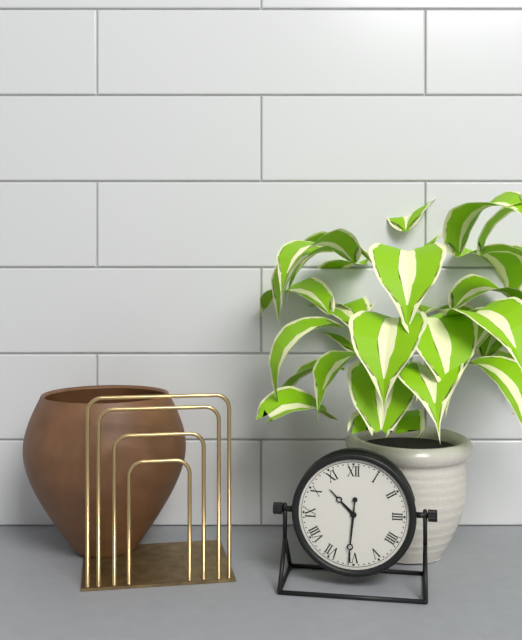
10:31
